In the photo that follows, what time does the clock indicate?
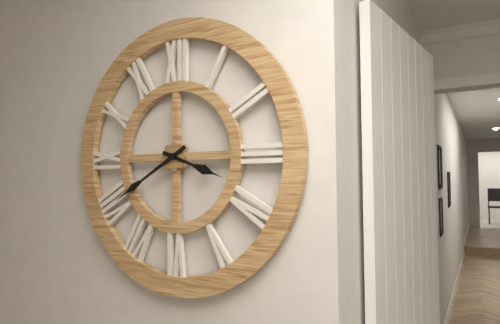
3:40
